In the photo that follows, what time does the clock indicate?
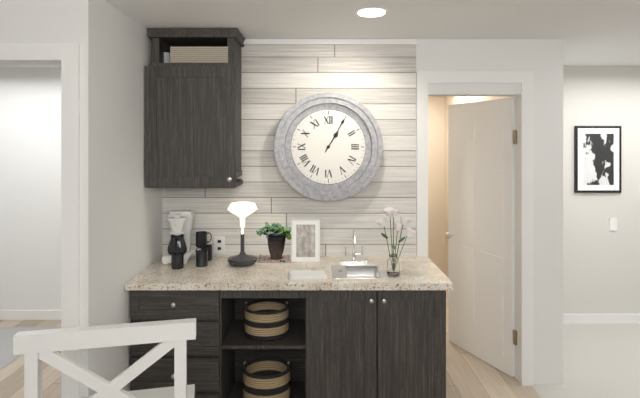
1:05
